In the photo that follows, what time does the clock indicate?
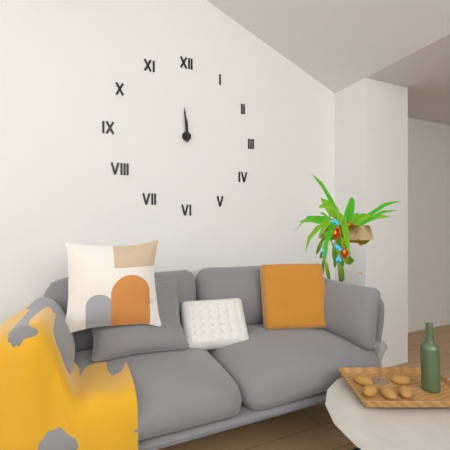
11:59
